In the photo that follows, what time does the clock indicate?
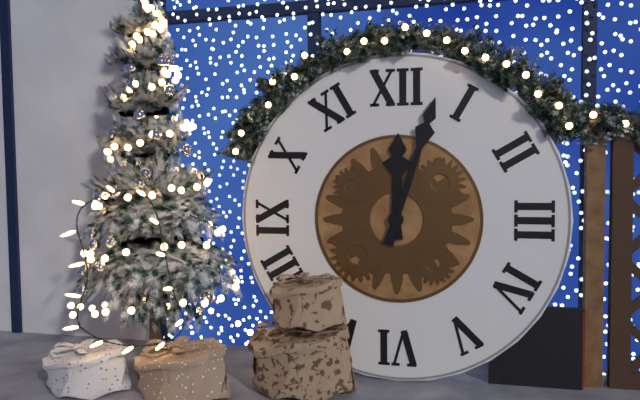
12:03
